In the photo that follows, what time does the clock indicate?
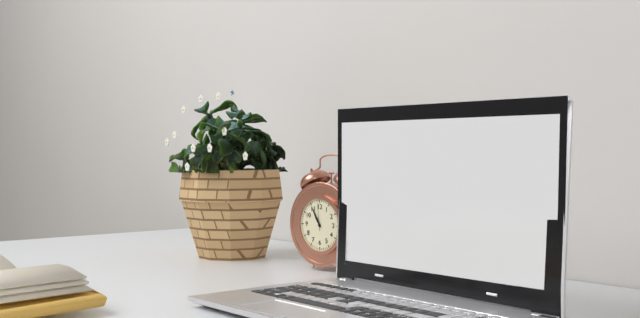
10:55
